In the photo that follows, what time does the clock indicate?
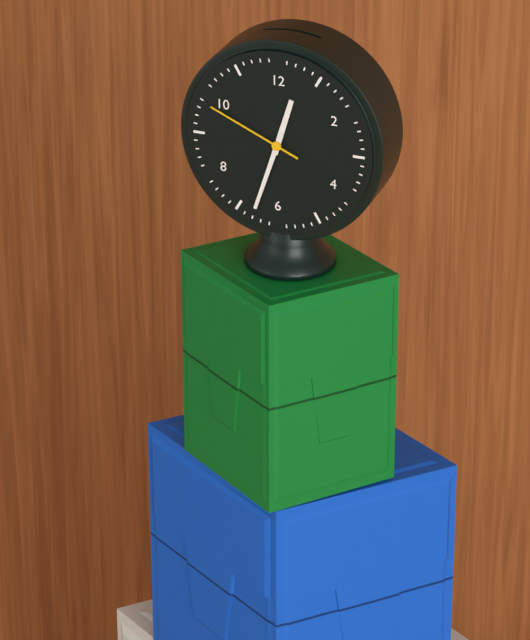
12:33:49
